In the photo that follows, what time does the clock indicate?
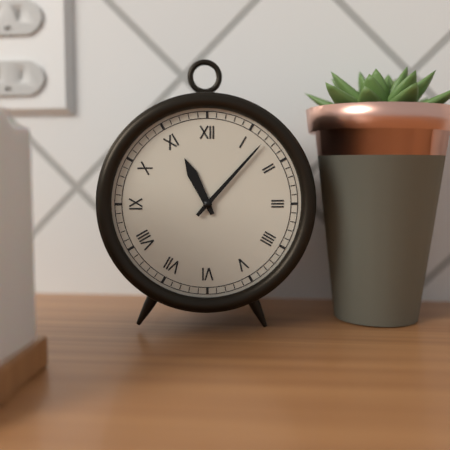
11:07
